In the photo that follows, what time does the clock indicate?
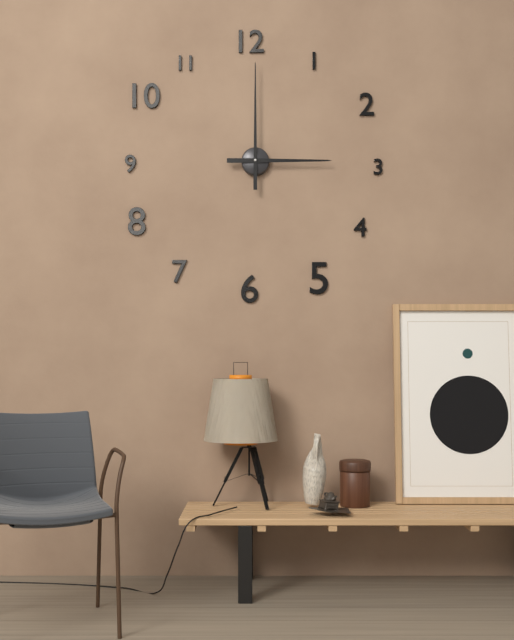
3:00
